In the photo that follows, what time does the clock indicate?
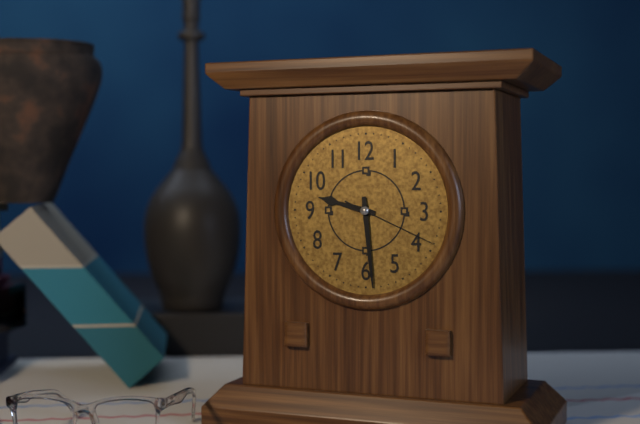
9:29:19
